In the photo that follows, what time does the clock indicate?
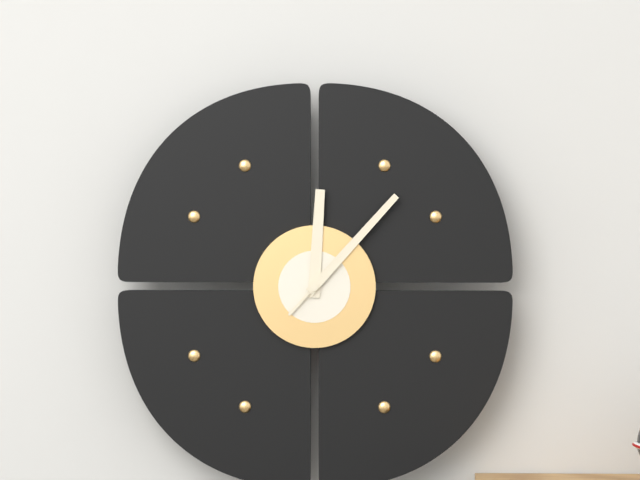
12:07
